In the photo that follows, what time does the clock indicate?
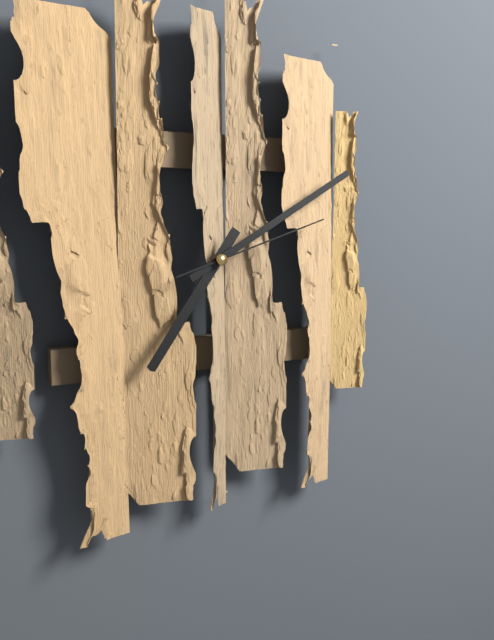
7:10:12
